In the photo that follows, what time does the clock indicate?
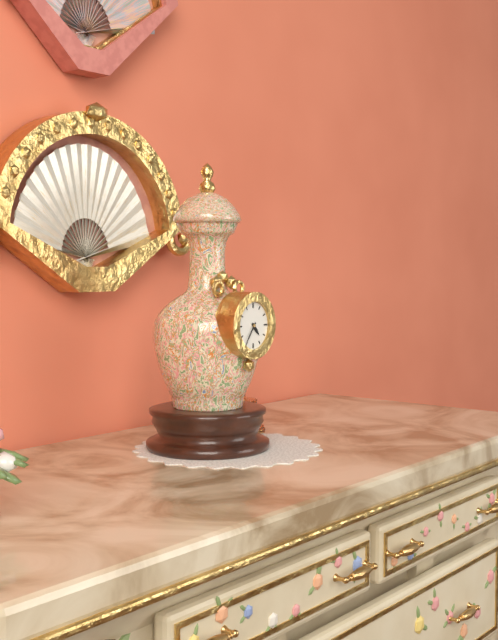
4:36
